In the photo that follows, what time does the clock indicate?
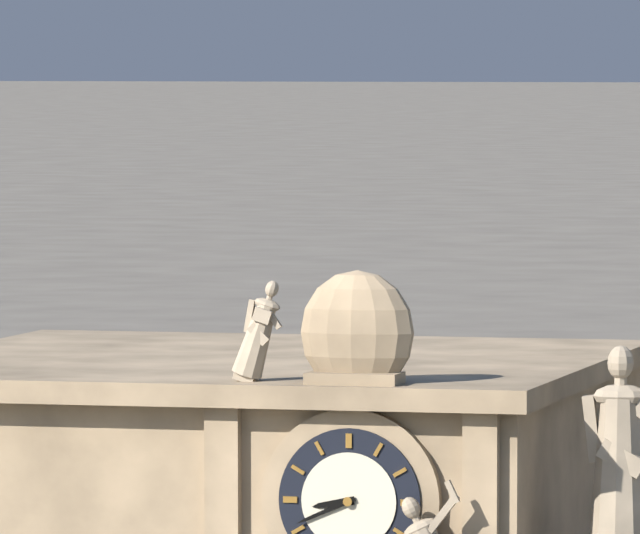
8:41
